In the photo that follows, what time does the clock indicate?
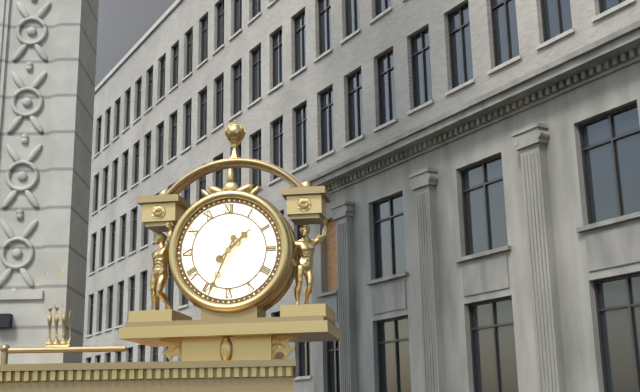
1:34
